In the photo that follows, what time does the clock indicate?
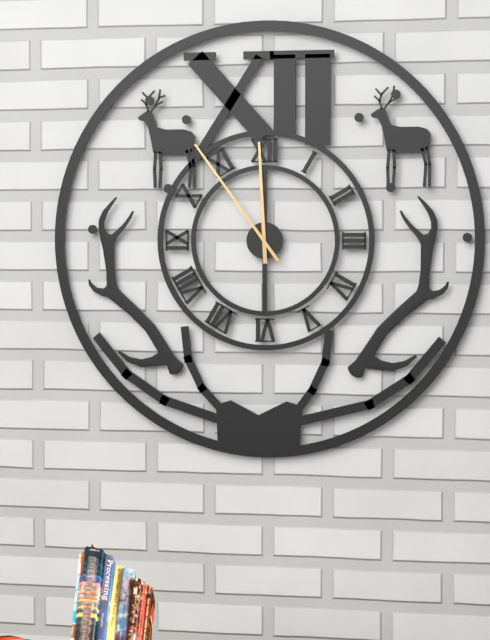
11:54
